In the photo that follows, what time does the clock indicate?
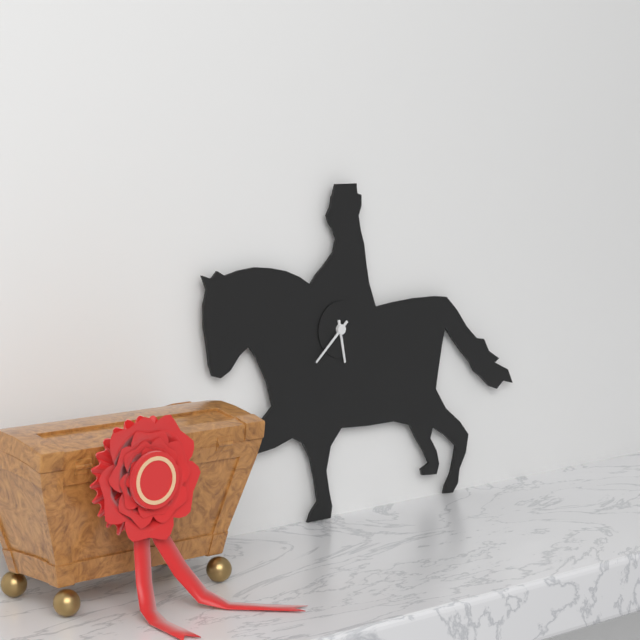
5:38
